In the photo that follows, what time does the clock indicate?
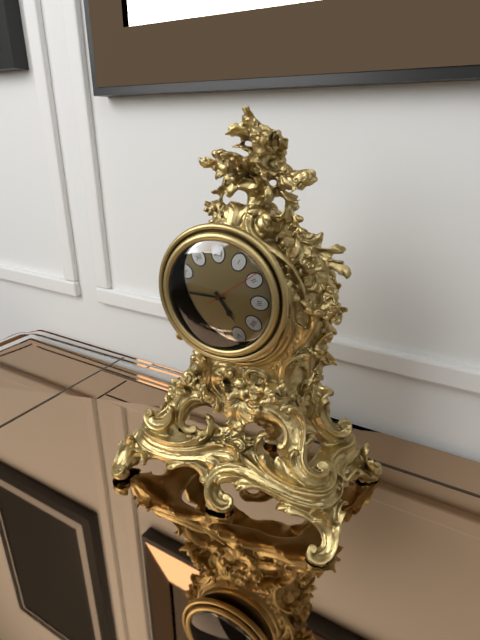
4:45:09
